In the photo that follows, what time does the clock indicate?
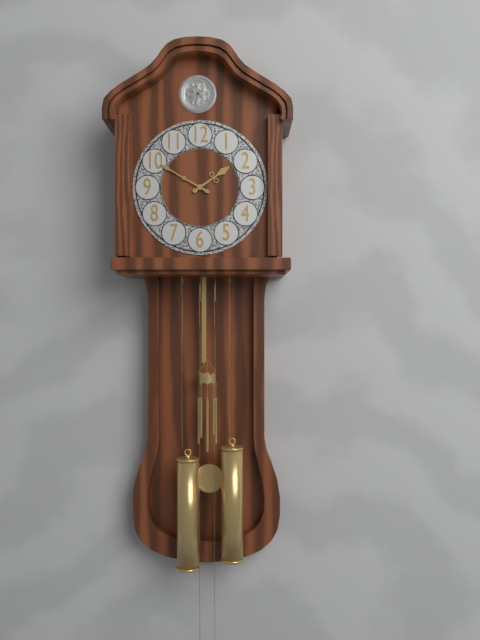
1:50
